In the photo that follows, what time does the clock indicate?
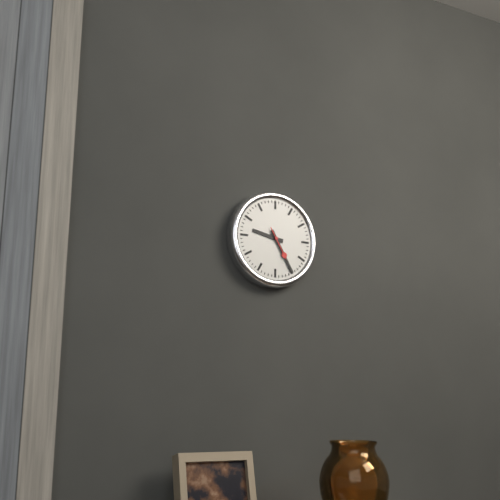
9:25
